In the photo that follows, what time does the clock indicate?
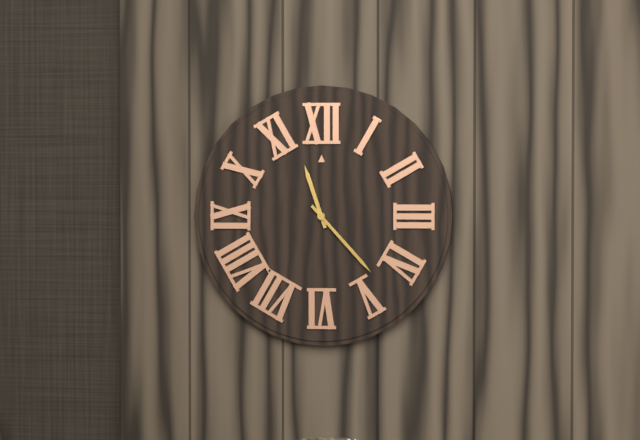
11:23
